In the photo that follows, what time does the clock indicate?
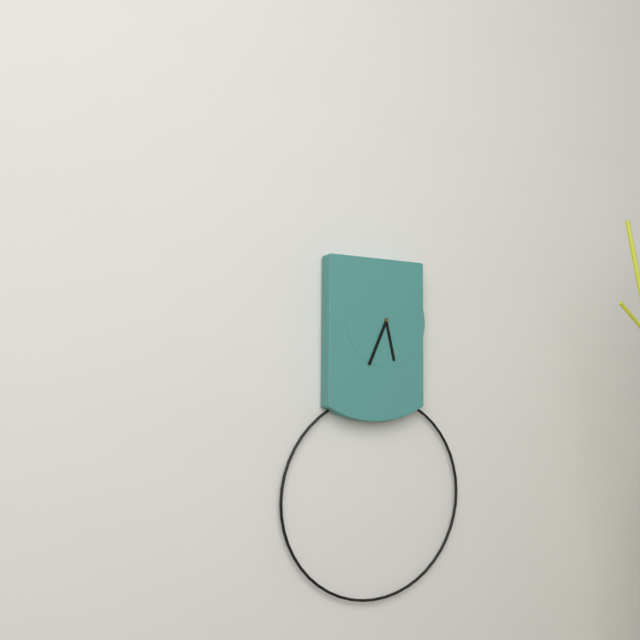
5:34
